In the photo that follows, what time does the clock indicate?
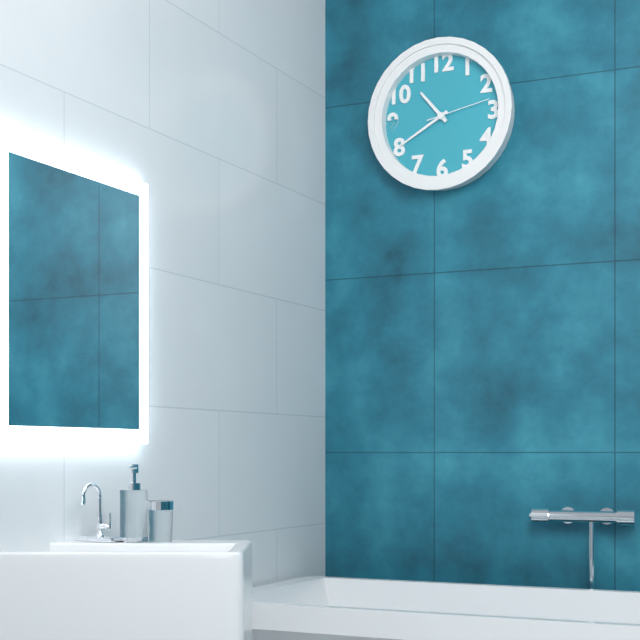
10:40:13
